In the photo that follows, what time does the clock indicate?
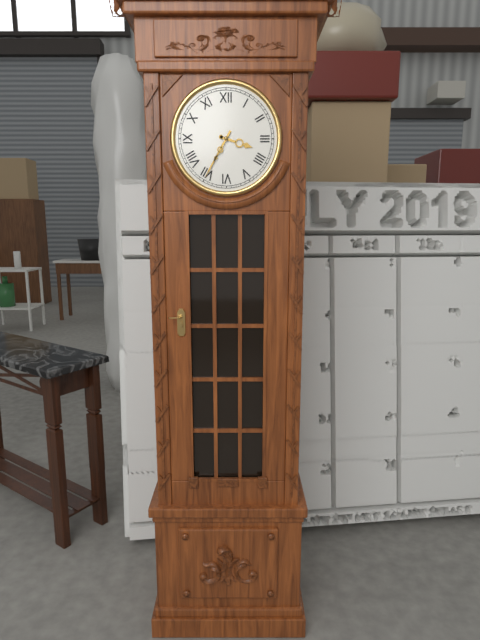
3:35
